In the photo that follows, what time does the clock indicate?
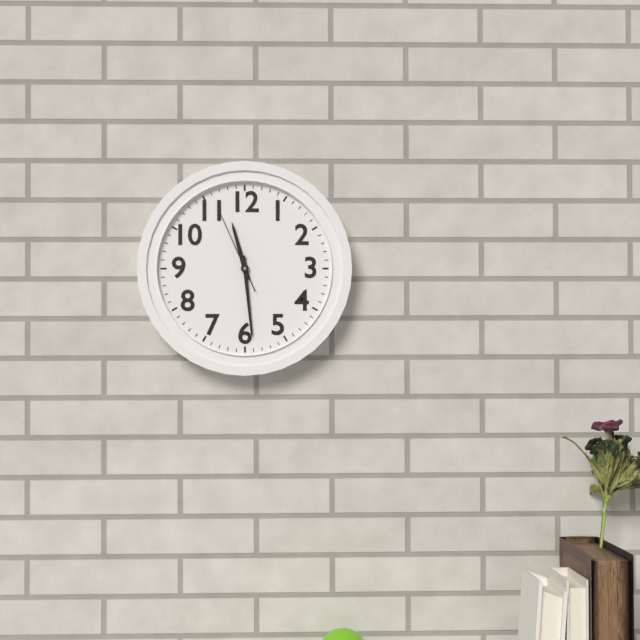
11:29:56
